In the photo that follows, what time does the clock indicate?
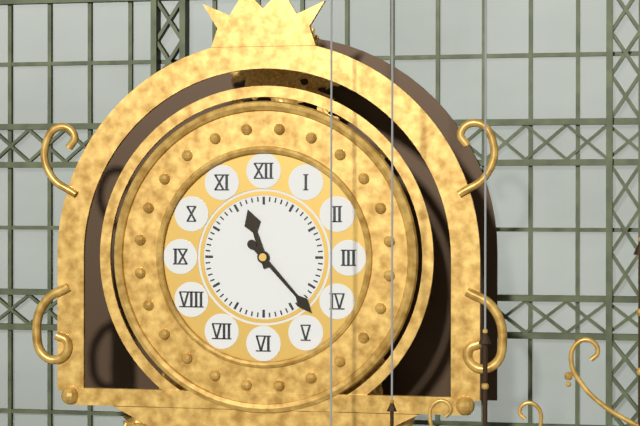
11:23
